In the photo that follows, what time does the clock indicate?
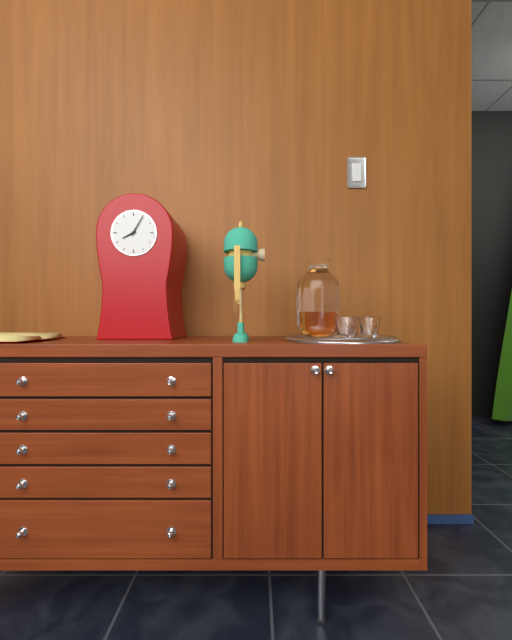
8:05
